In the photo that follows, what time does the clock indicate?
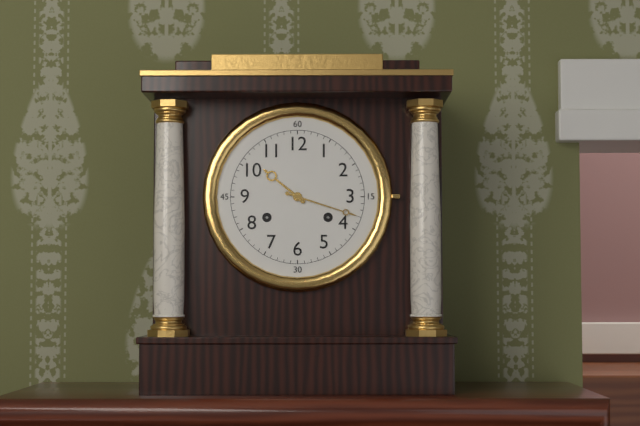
10:18
